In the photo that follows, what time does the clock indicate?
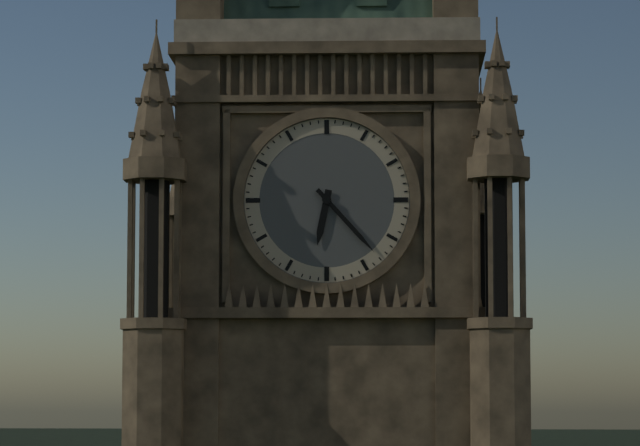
6:23
